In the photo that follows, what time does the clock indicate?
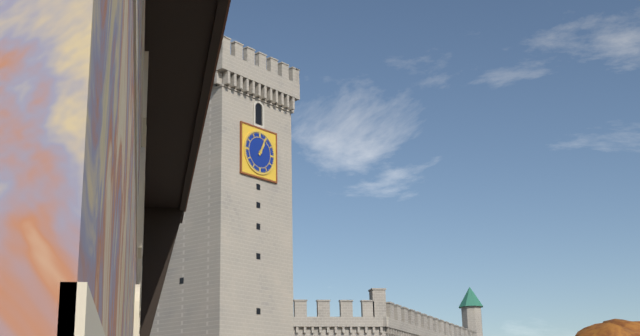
1:04
